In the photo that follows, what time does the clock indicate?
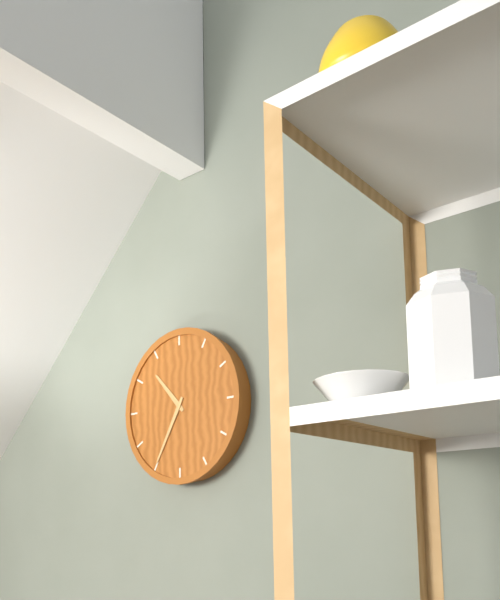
10:35
